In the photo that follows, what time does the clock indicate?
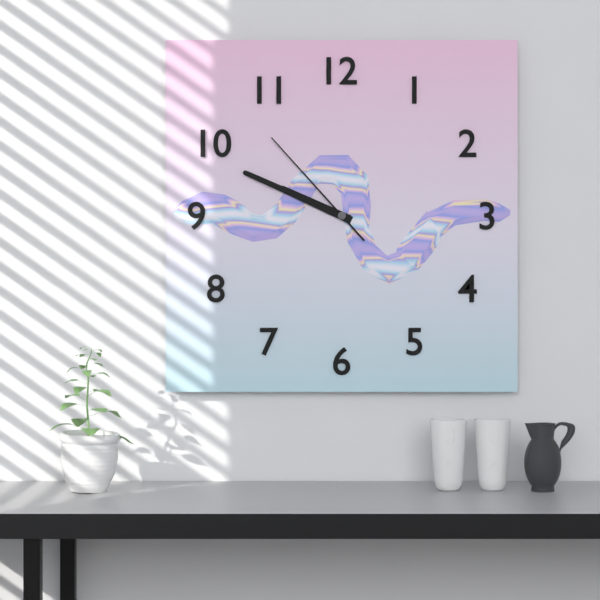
9:49:53
